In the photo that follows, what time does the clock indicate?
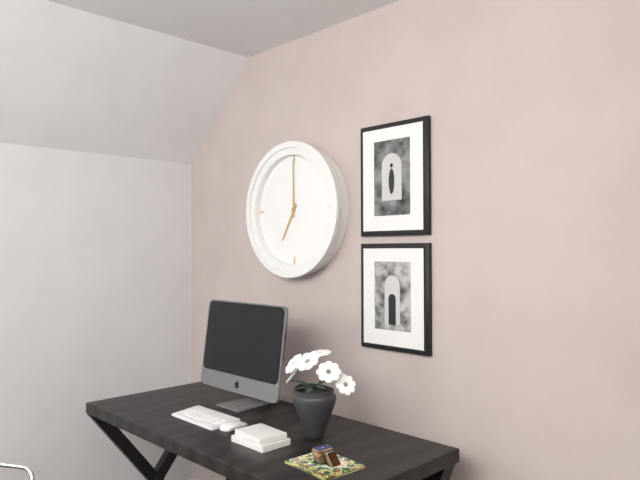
7:00
